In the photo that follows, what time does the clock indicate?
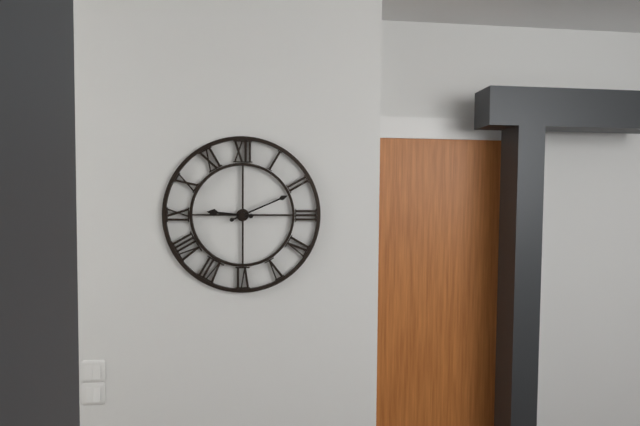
9:11
